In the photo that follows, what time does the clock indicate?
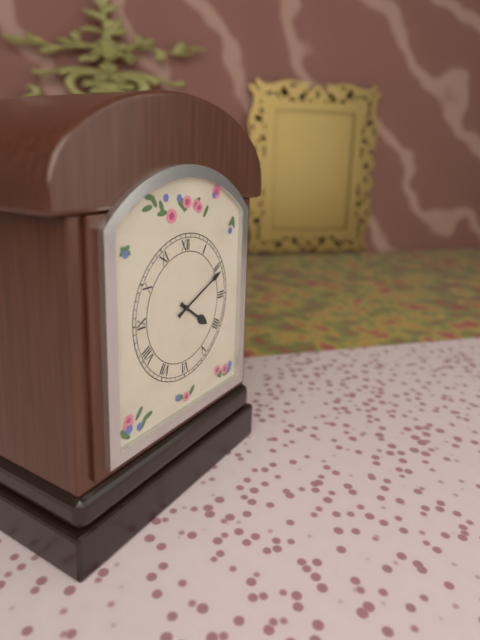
4:11
